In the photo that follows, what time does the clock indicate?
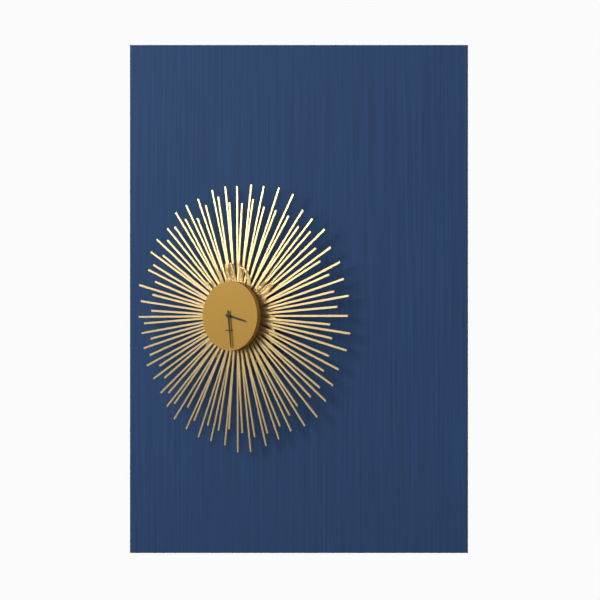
3:29
